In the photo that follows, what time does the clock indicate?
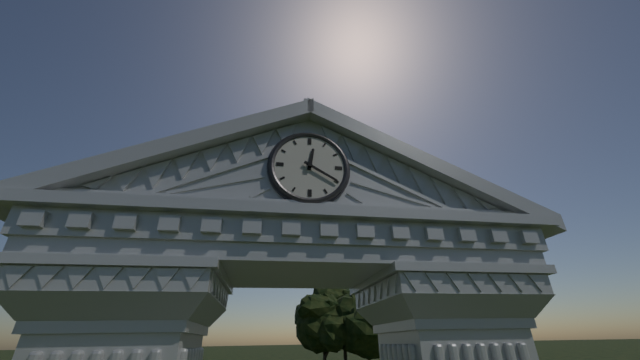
12:20
